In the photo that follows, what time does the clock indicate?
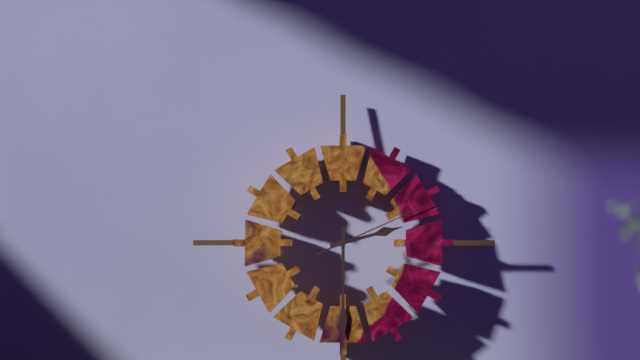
2:30:11
